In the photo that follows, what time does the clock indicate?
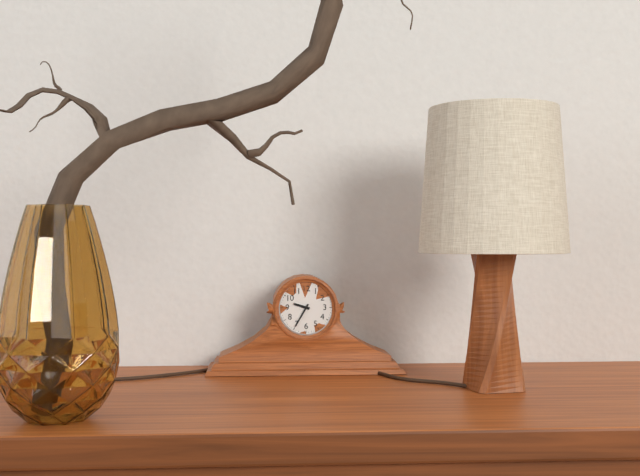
9:35
